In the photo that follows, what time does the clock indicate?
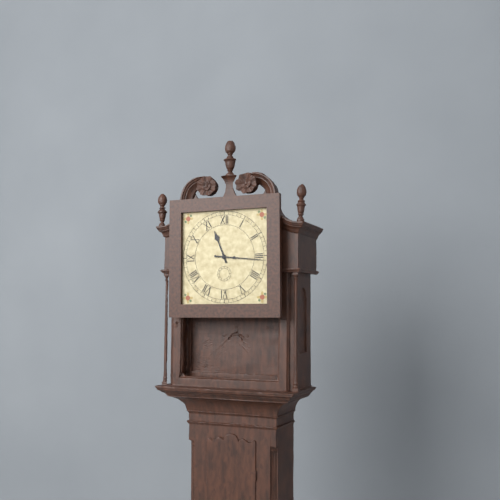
11:16
